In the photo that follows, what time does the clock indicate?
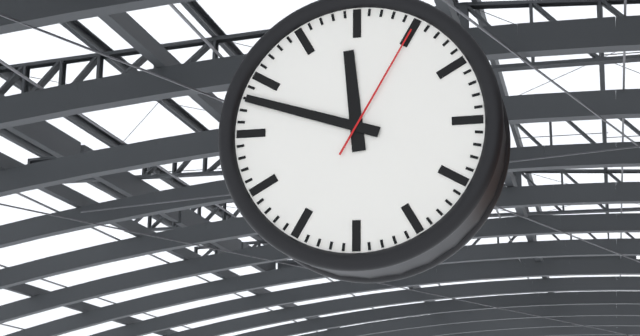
11:48:05
